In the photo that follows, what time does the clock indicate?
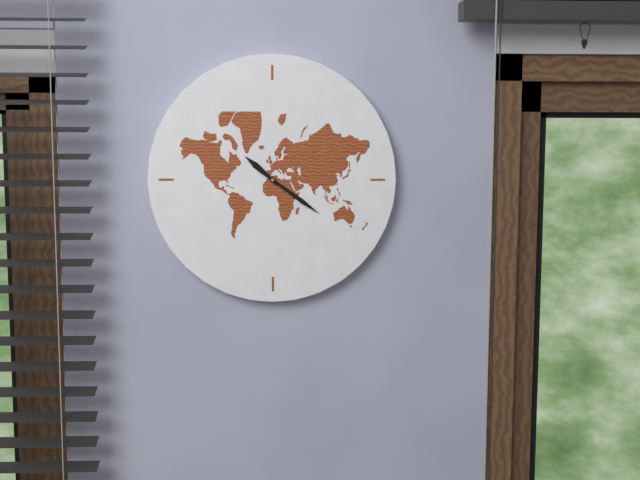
10:21
